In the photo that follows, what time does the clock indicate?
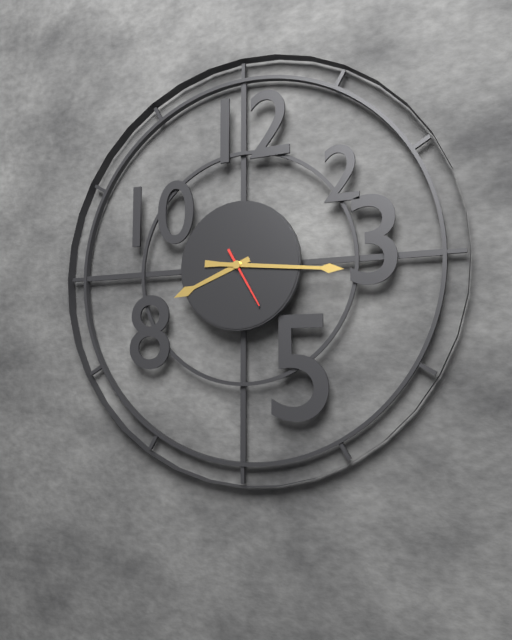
8:16:25
